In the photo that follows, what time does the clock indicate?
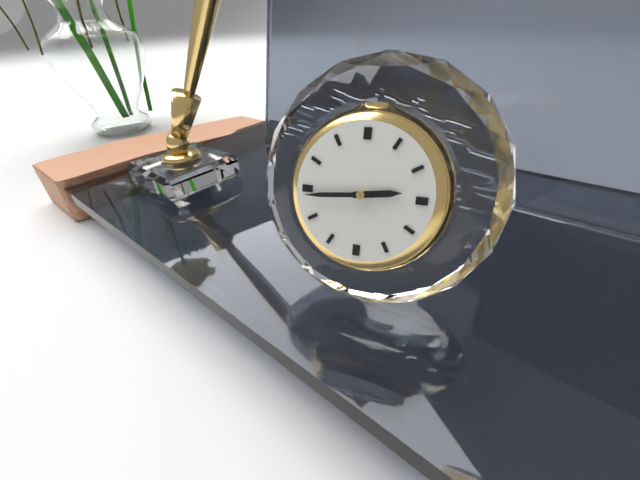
2:44
